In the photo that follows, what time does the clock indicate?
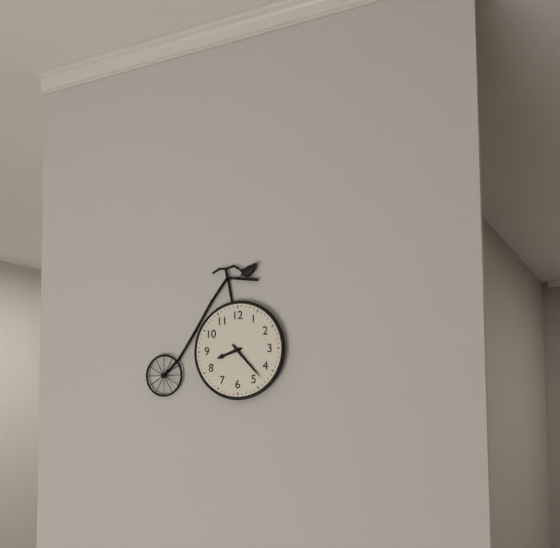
8:23
